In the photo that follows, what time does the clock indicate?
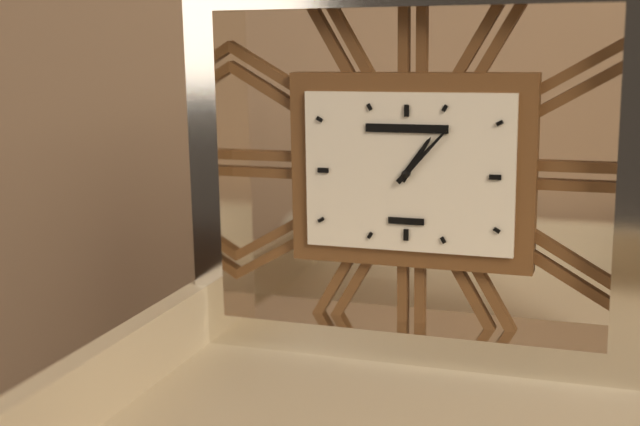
1:07
